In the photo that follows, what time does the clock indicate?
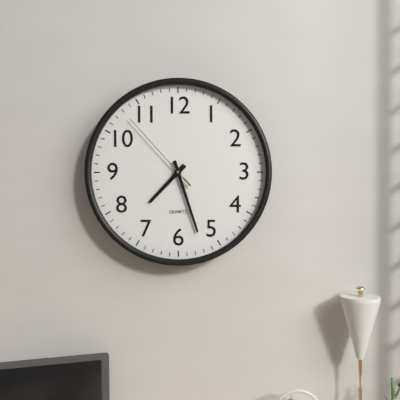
7:27:53
